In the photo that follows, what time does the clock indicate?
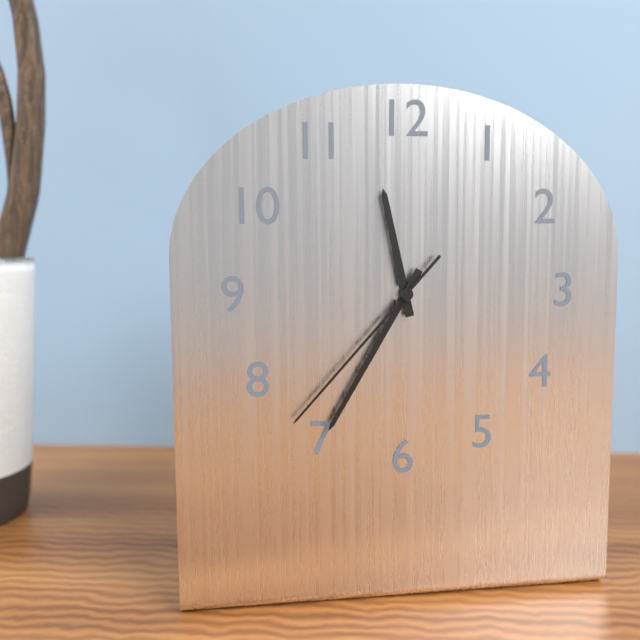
11:35:37
